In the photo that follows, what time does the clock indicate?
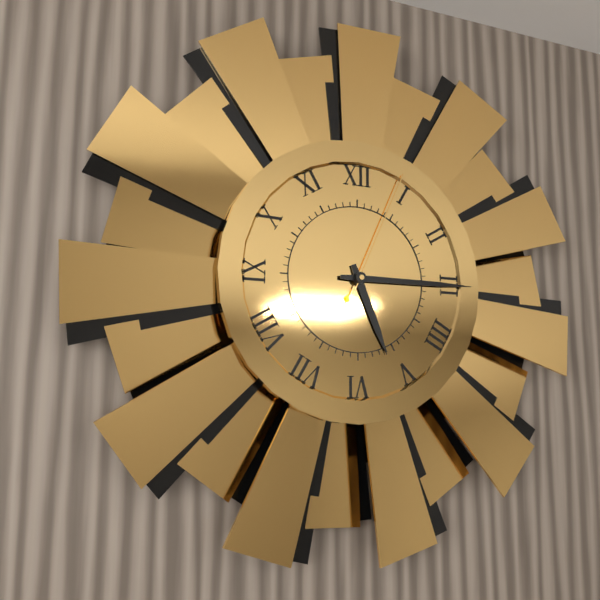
5:15:04
